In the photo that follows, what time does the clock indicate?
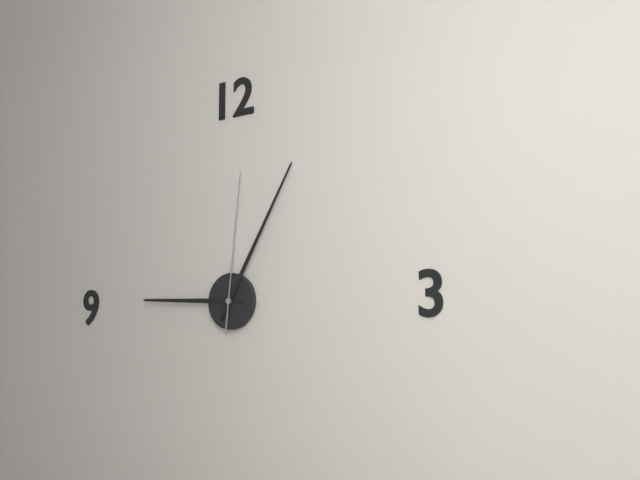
9:05:01
